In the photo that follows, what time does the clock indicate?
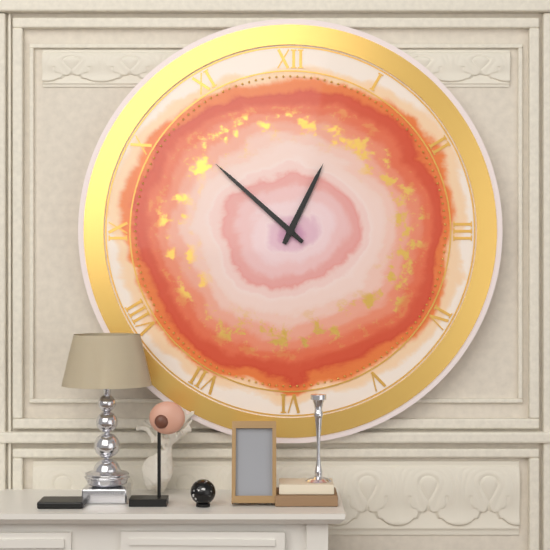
12:52
